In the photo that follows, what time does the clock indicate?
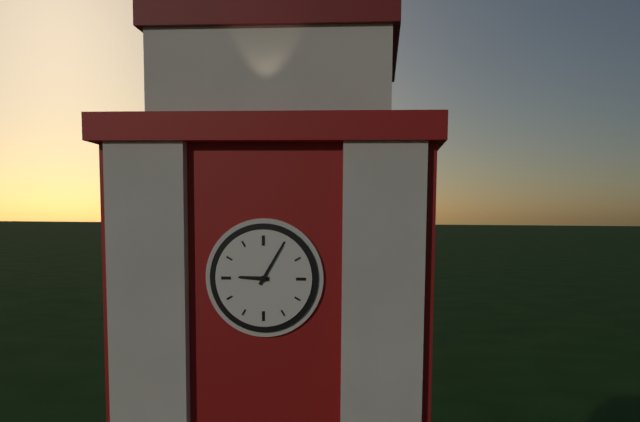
9:05
